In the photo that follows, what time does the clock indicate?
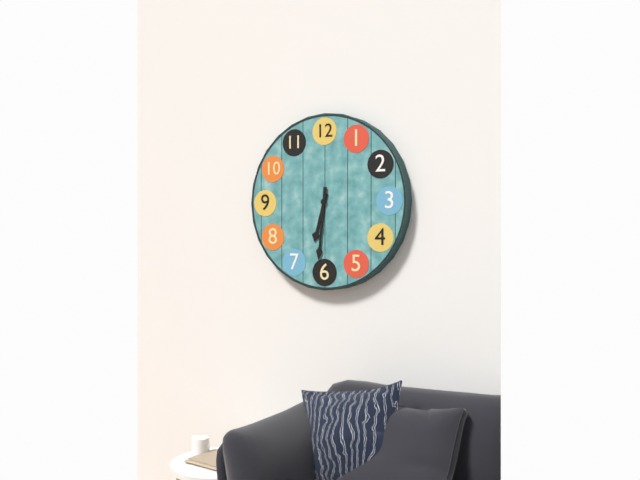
6:31
